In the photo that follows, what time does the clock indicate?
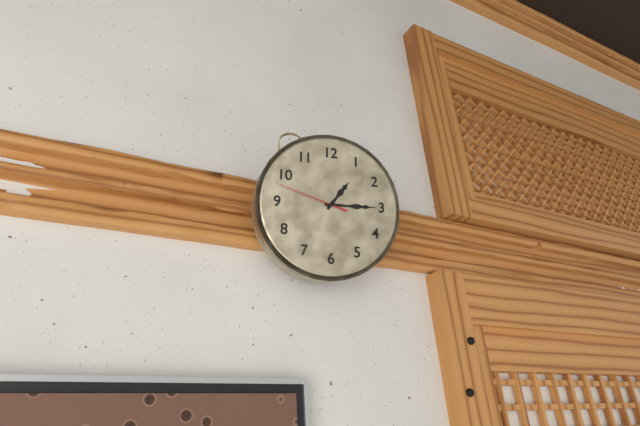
1:15:48
